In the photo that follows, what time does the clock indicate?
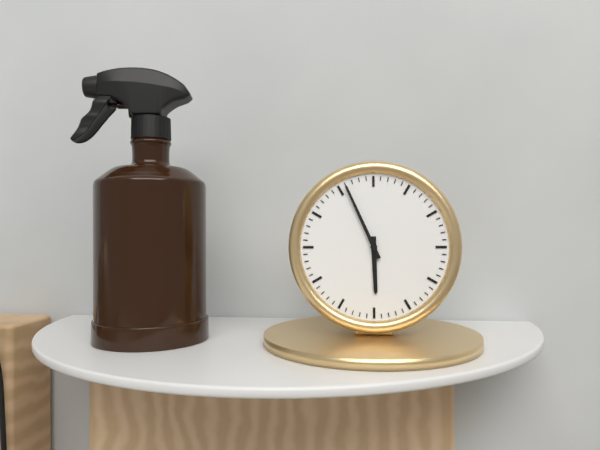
5:56
